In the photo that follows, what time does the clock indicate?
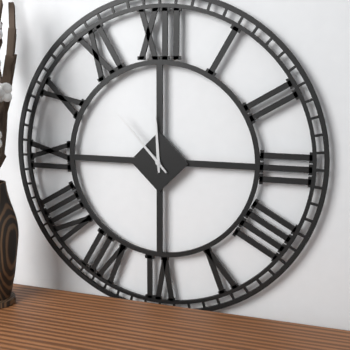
11:53
